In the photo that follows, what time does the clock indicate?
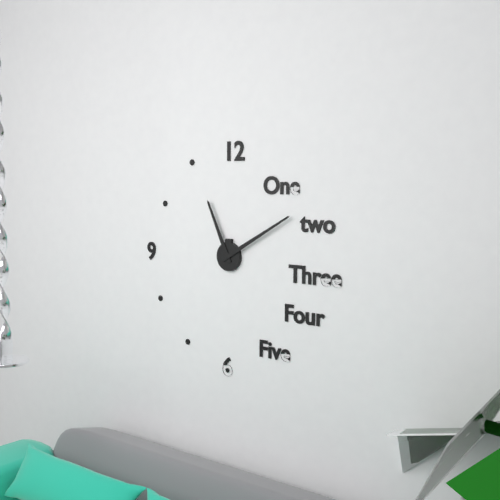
11:10
